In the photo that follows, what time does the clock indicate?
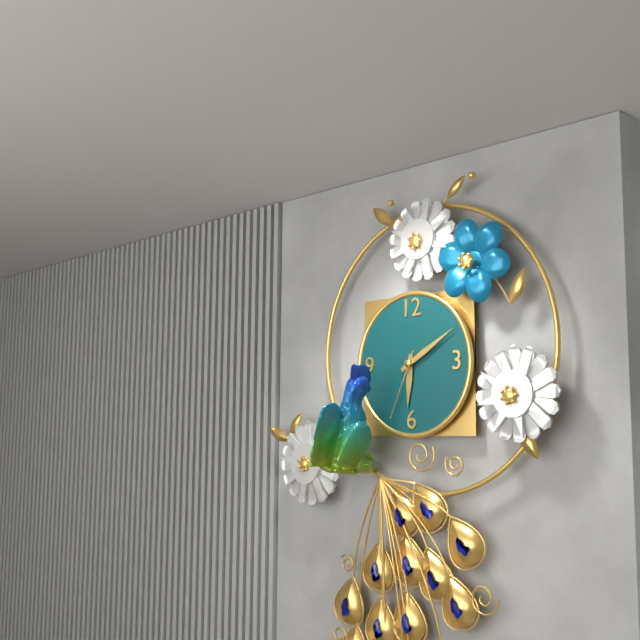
6:10:34
